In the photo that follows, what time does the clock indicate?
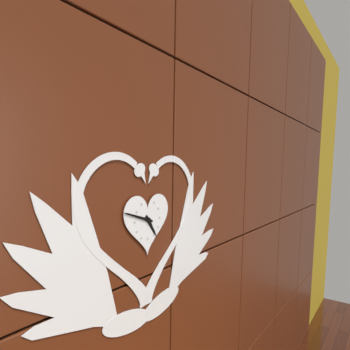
4:48
